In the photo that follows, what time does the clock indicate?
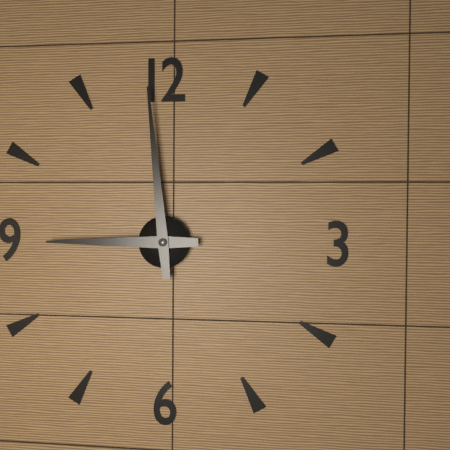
8:59
